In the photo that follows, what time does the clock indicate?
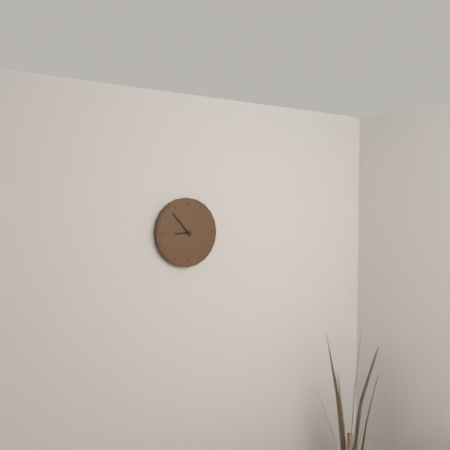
8:53
